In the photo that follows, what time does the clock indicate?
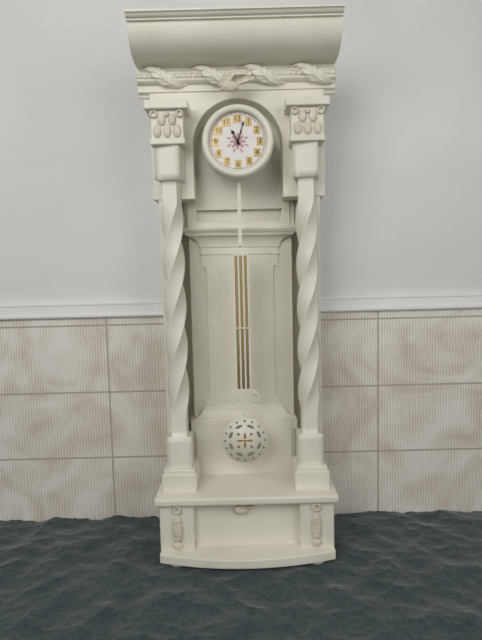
11:03
